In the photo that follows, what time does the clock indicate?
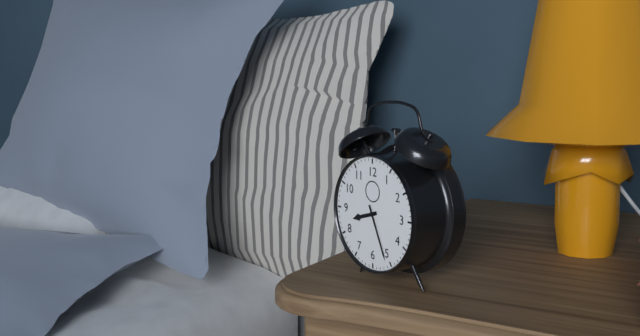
8:26
